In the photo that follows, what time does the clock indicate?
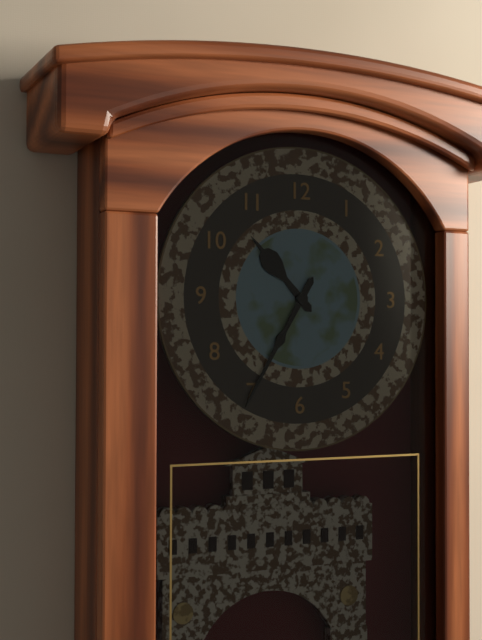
10:35
